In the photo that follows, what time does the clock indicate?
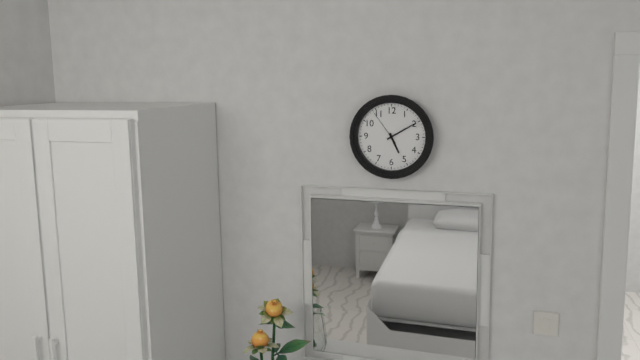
5:10
